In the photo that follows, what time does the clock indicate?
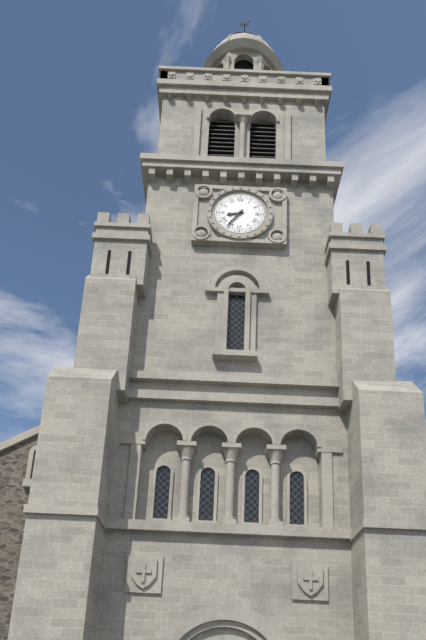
8:36
